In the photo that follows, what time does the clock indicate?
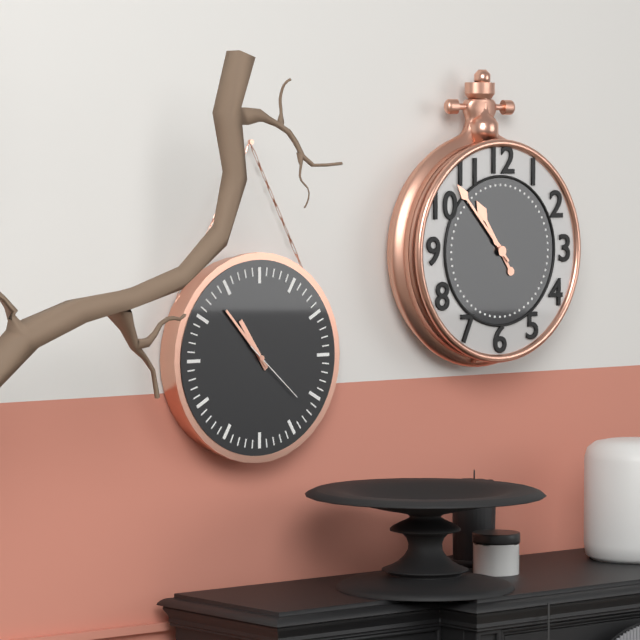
10:53:22
